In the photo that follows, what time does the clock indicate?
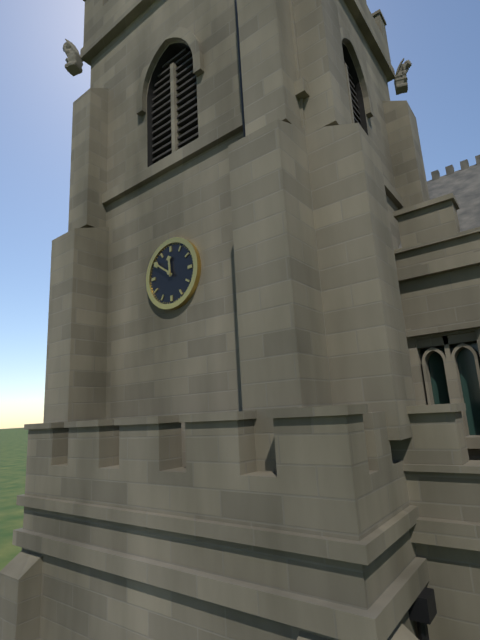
11:51
